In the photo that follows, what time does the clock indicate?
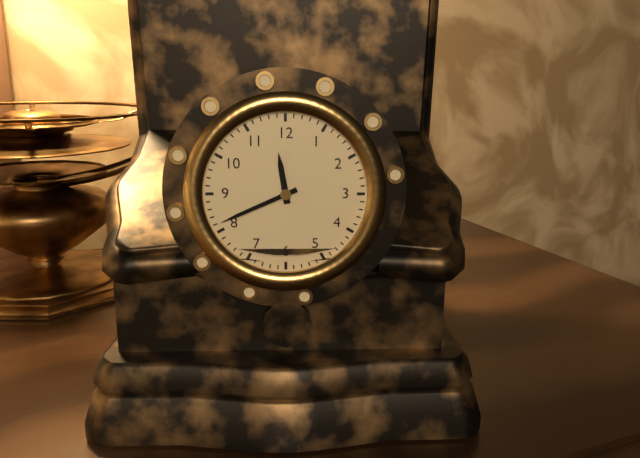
11:41
